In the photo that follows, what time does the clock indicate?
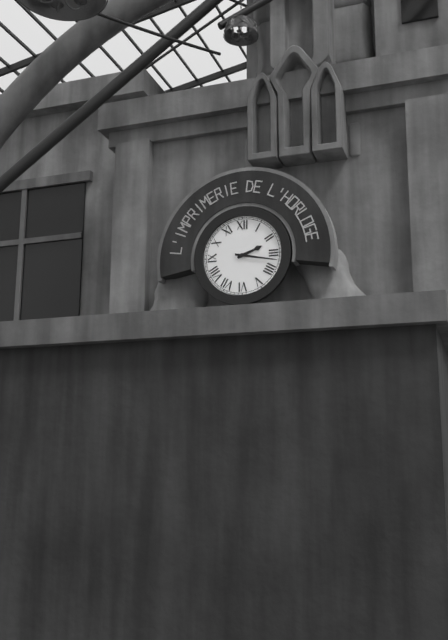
2:17
